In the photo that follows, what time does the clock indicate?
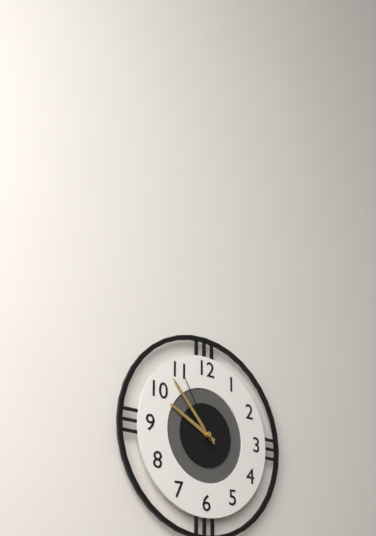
9:53:55
